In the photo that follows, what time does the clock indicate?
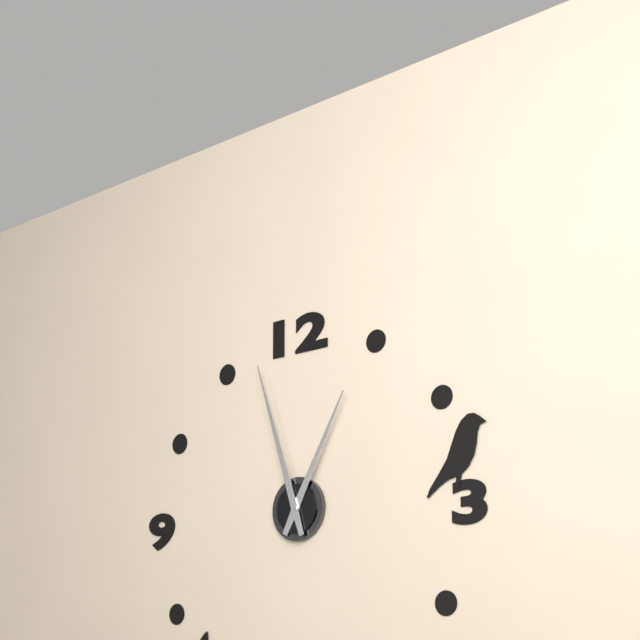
12:57
